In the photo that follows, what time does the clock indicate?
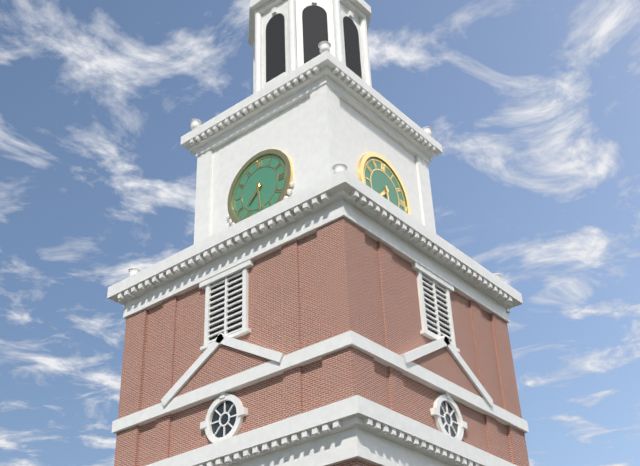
7:29
